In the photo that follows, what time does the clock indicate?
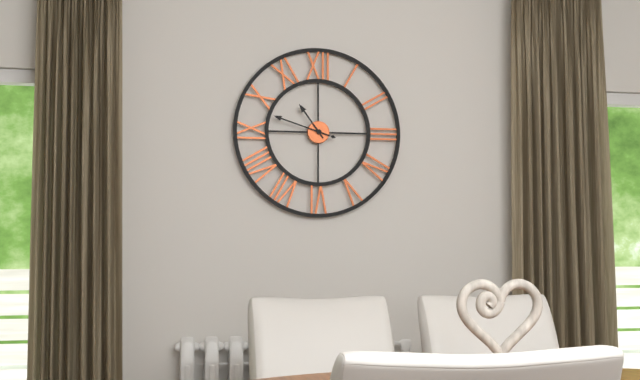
10:48
